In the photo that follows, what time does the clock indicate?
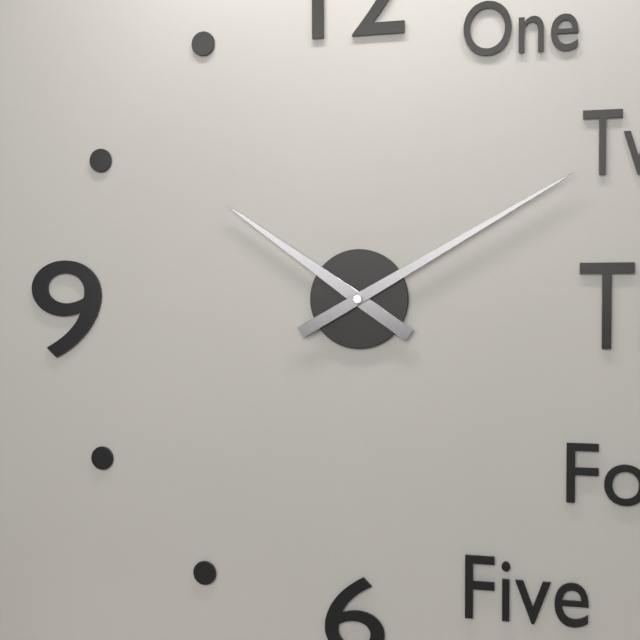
10:10
